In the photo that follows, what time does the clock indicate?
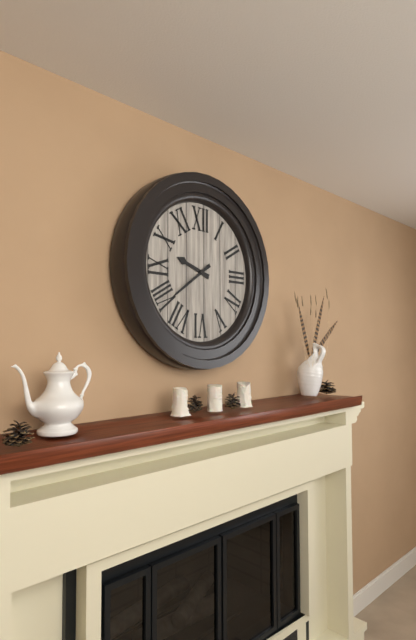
9:39
